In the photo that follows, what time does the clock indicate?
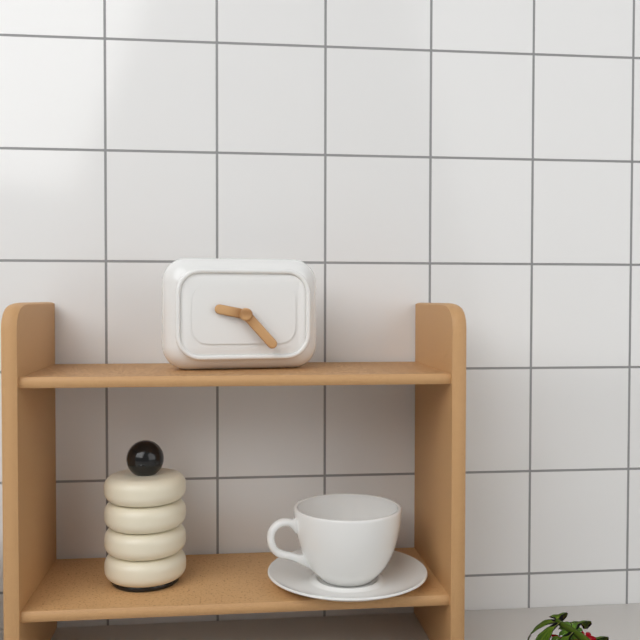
9:23
